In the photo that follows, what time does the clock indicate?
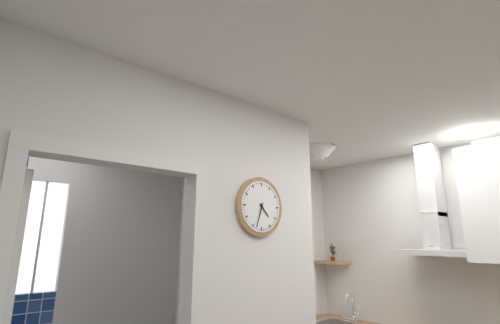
4:33
